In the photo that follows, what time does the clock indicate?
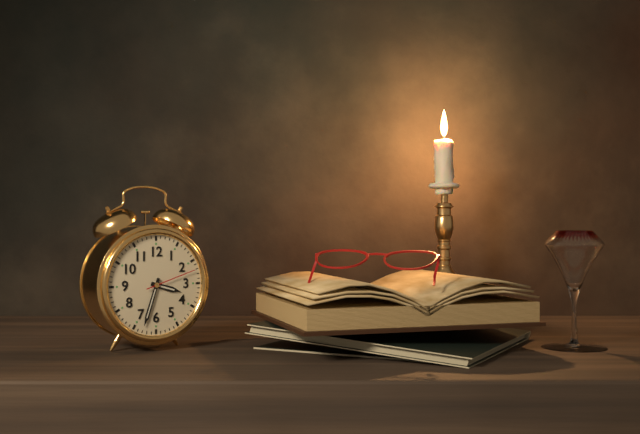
3:33:12
